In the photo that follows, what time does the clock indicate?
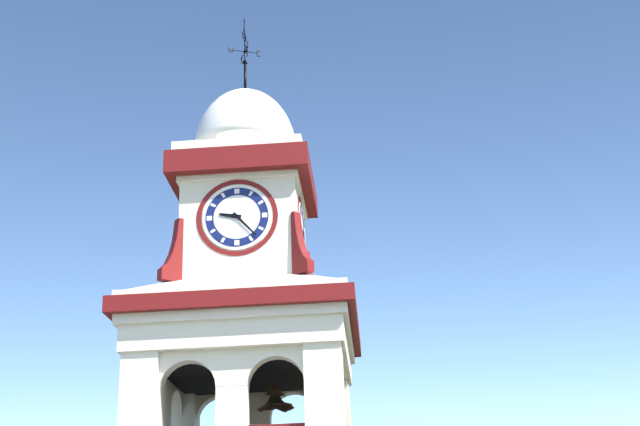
9:23
